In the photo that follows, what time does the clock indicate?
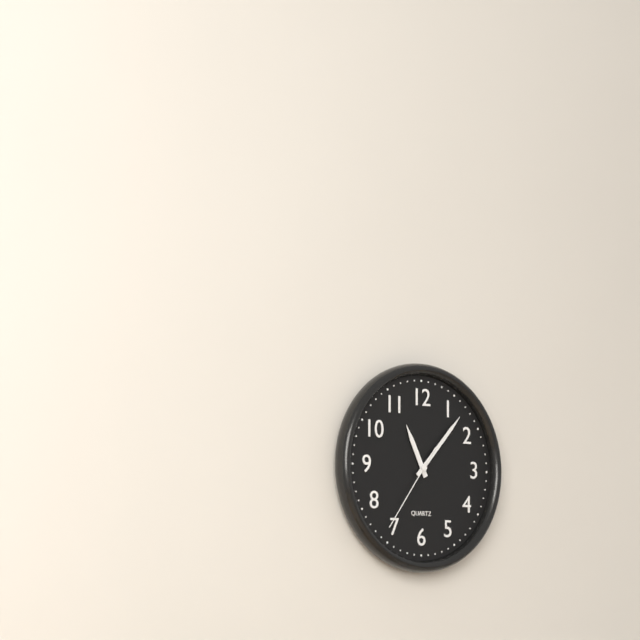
11:07:36
